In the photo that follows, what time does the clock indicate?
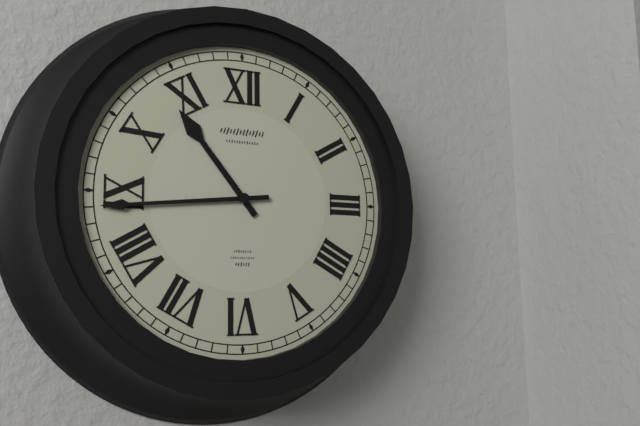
10:44
